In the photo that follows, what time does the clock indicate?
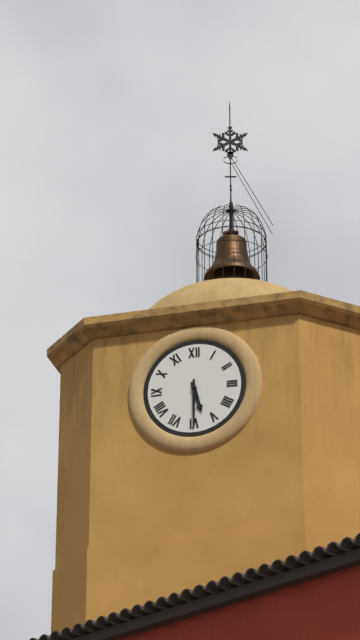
5:30
